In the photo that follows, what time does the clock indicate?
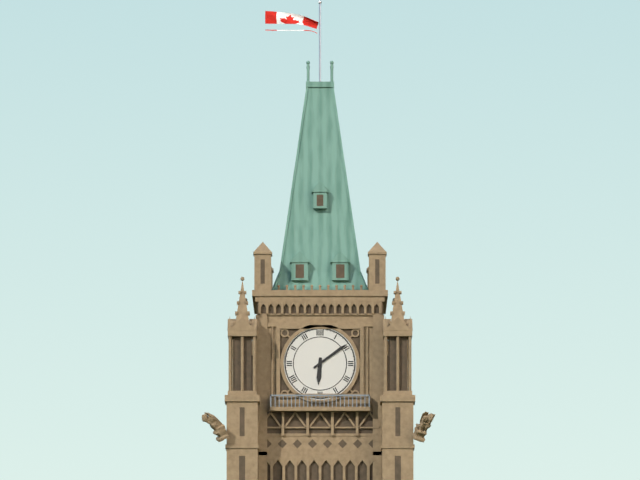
6:09
